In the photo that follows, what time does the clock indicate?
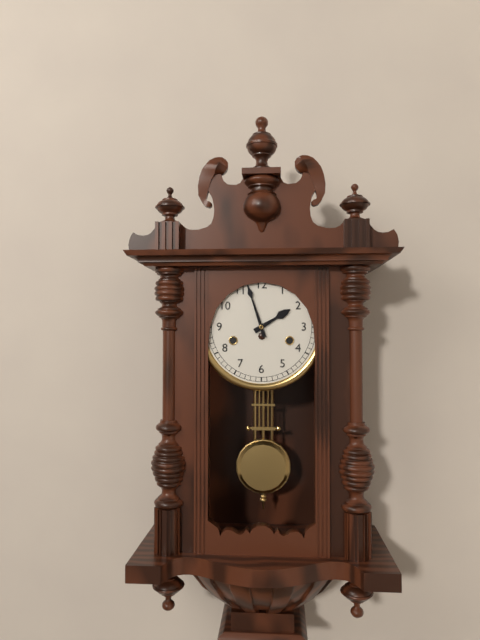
1:57
